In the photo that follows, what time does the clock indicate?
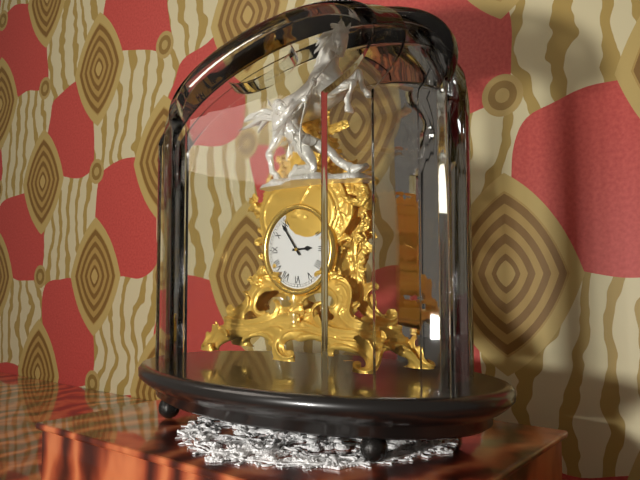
2:54
